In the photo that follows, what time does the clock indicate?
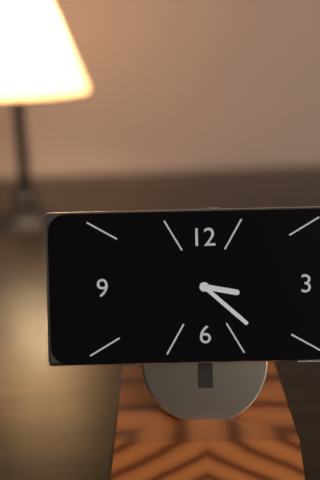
3:22
